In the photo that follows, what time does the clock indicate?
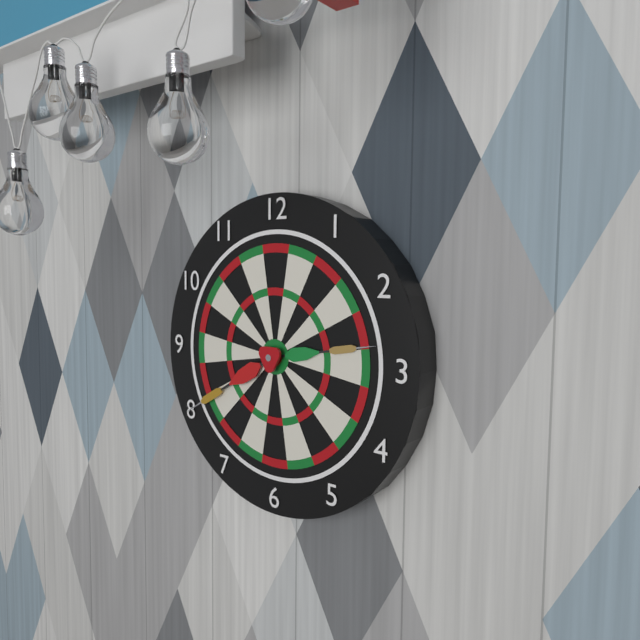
2:40
